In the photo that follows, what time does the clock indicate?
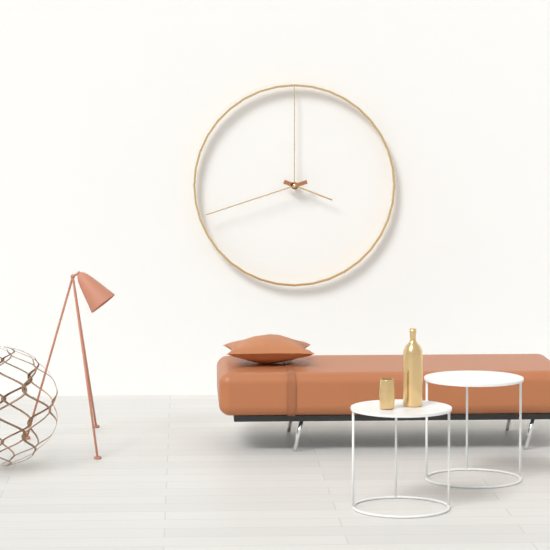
3:42
